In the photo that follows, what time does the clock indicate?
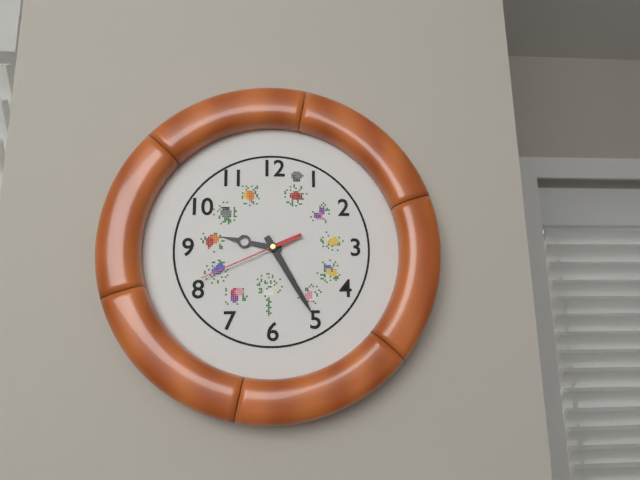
9:25:41
